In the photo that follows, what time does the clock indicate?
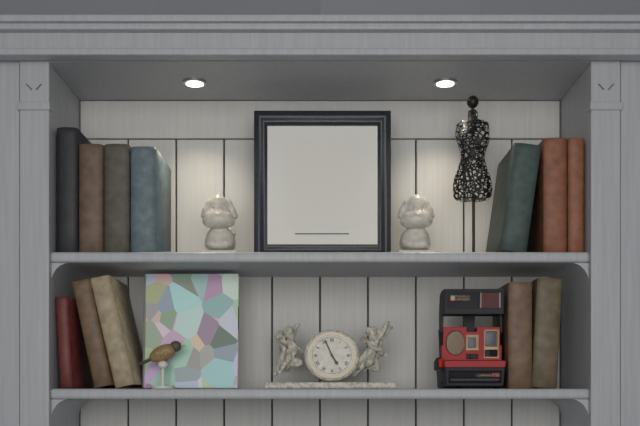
4:56
